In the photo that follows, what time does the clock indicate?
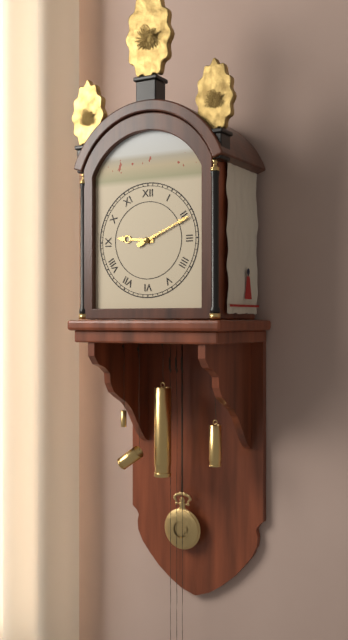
9:11
